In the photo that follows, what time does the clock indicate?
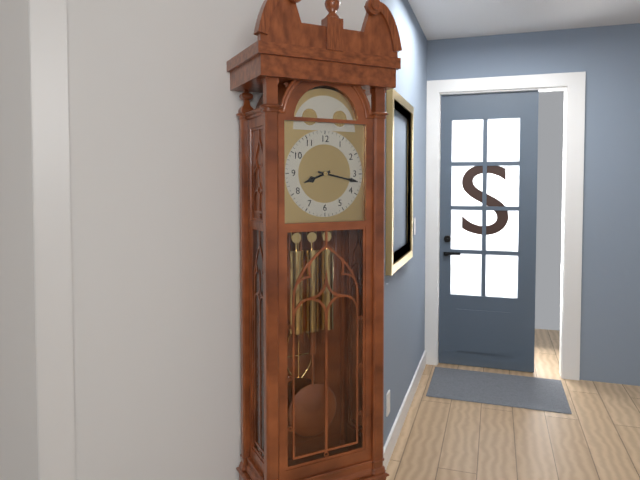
8:17
